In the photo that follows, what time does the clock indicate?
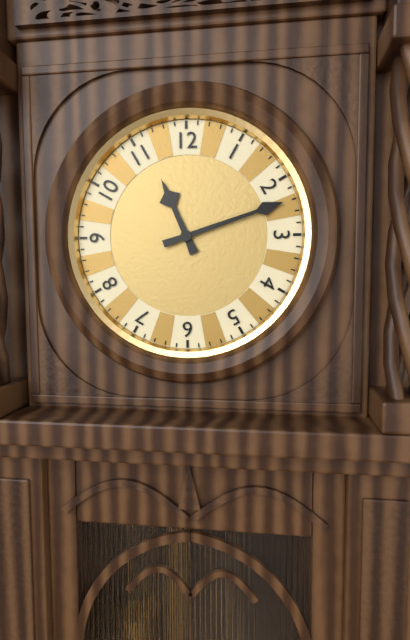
11:12
